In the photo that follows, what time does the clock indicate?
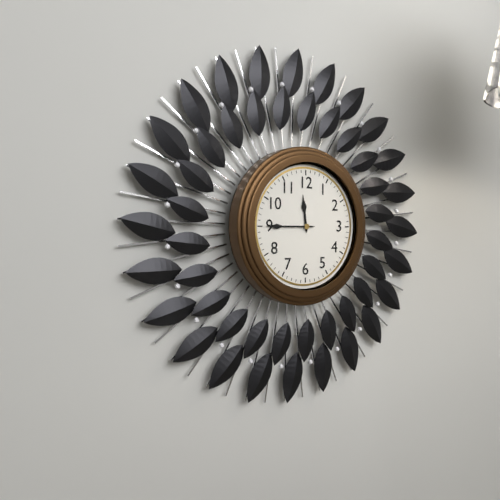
11:45
